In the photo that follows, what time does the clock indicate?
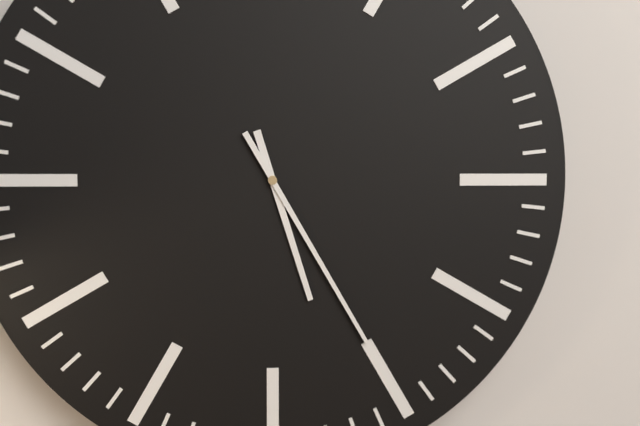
5:25
